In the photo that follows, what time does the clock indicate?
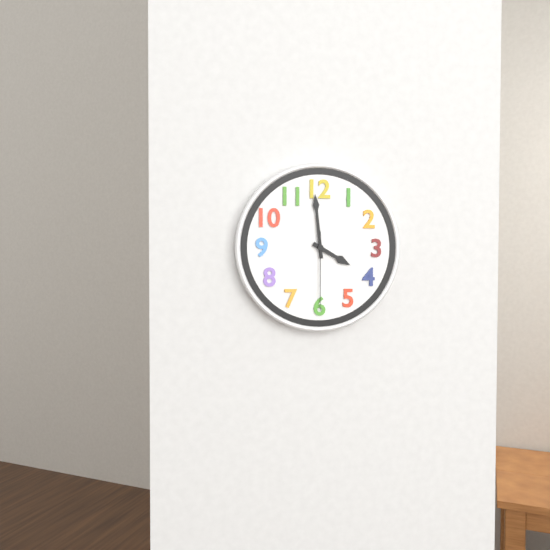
3:59:30
